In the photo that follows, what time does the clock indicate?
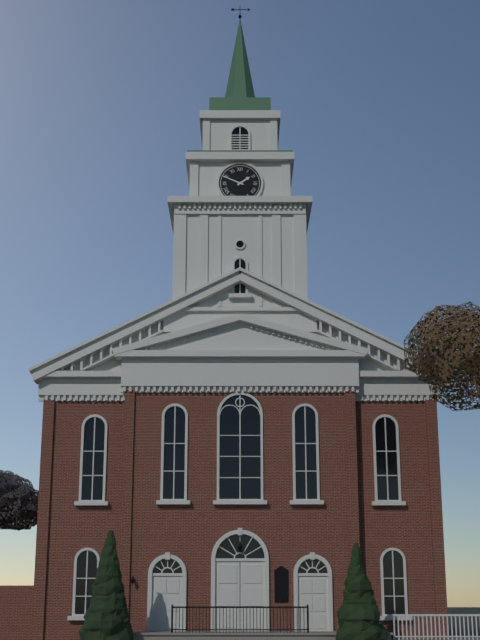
1:49
